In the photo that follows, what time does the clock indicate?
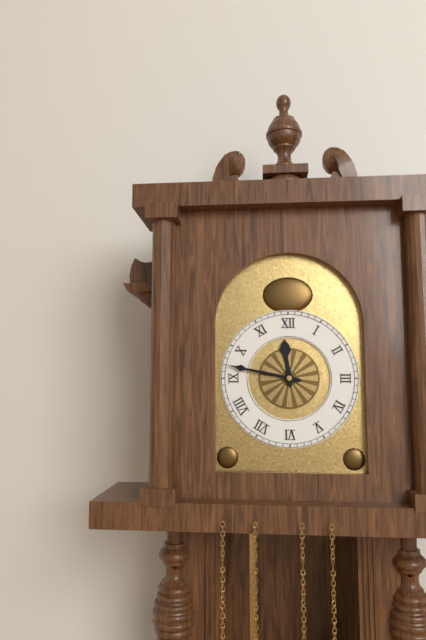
11:47
